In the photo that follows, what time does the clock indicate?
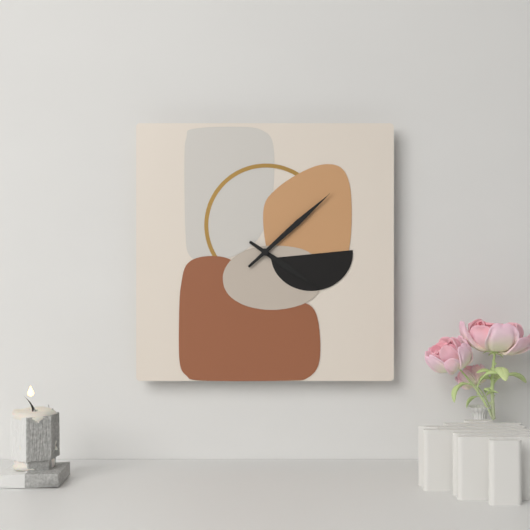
4:08
